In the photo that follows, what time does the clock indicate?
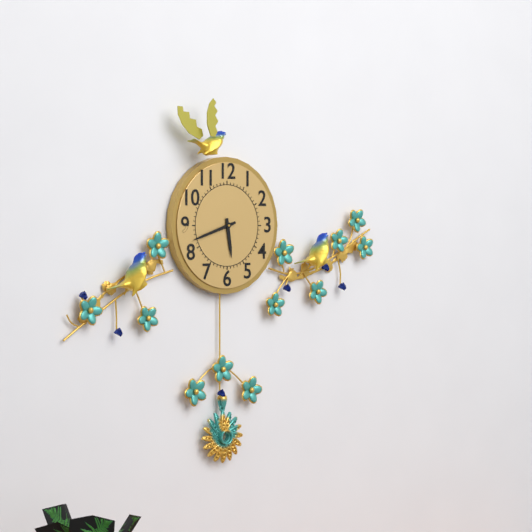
5:42
